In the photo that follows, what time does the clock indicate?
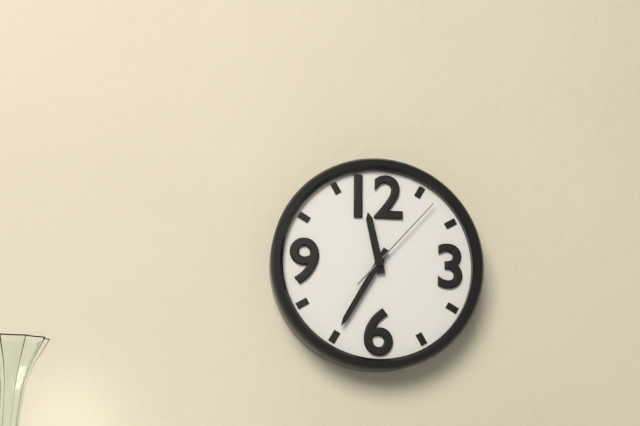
11:35:07
